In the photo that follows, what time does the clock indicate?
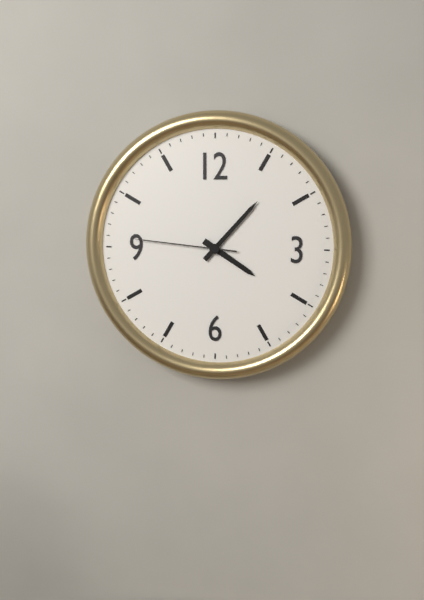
4:07:46
